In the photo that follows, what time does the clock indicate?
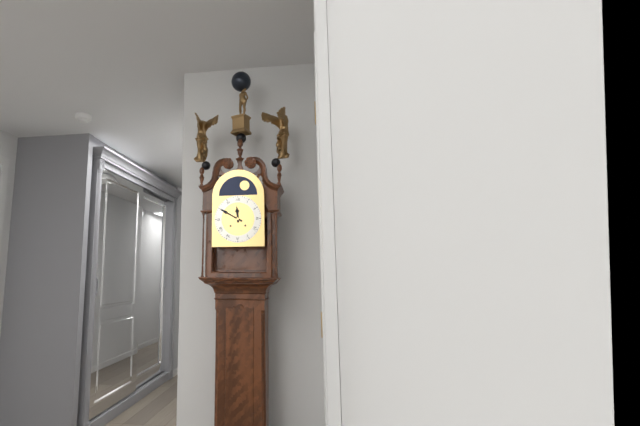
11:50
